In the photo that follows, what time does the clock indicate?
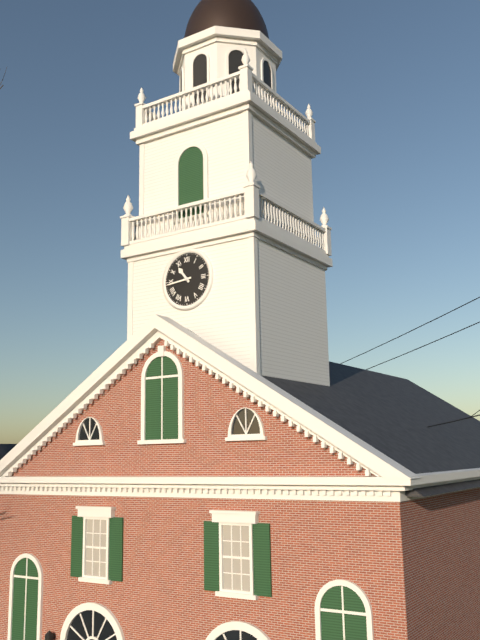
10:44
